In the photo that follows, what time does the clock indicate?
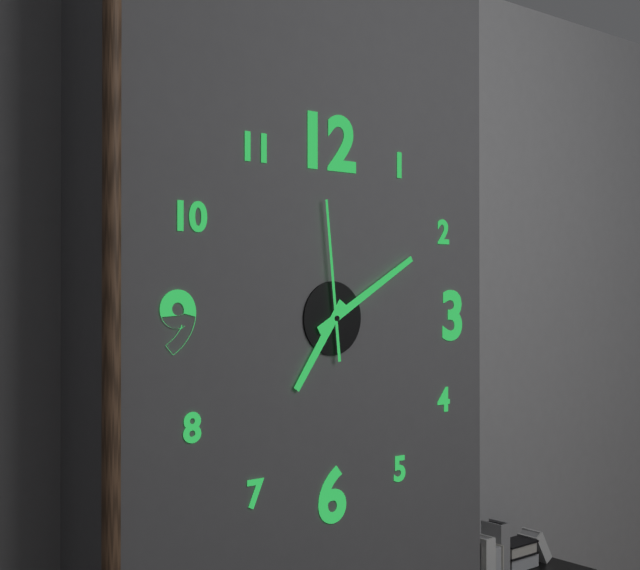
7:10:59
